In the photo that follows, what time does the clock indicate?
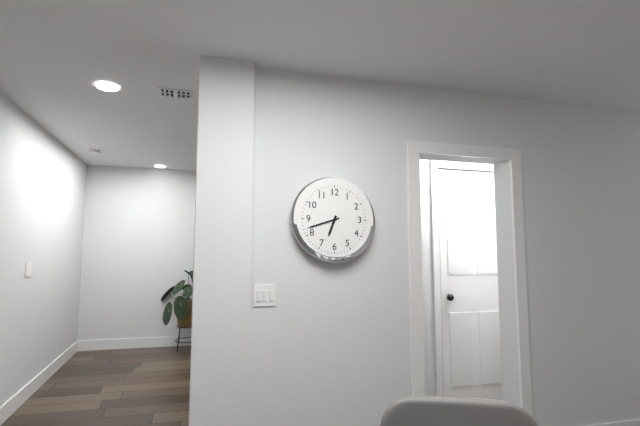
6:42
